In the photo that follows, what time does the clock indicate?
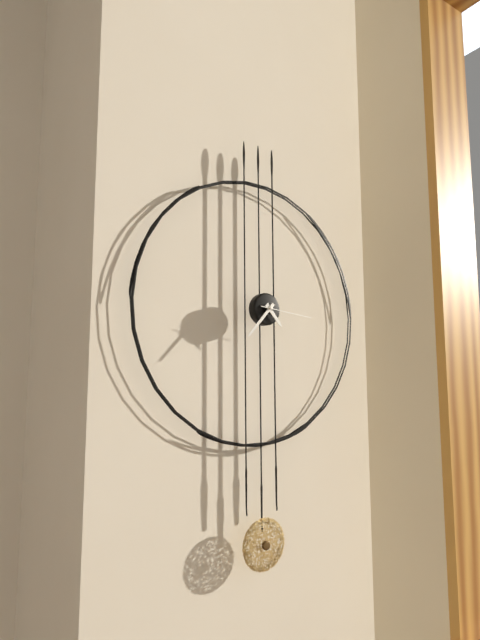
4:37:16
